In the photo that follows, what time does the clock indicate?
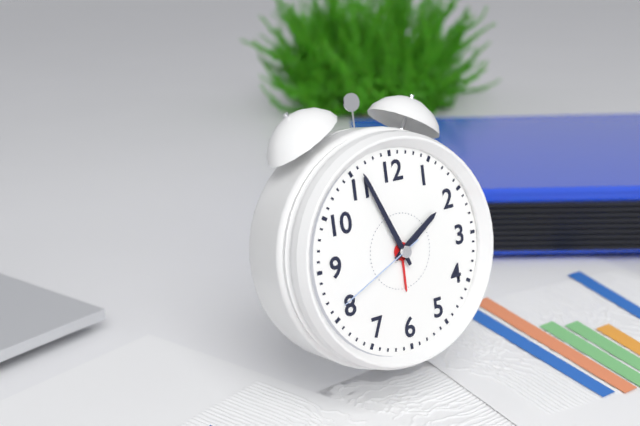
1:56:41
